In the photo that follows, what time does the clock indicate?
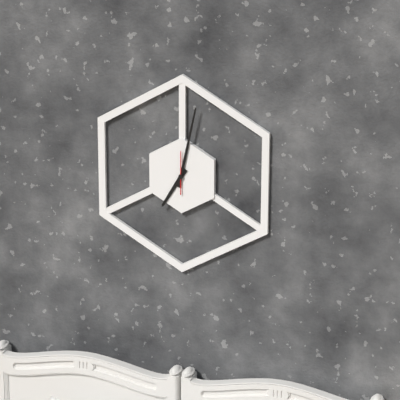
7:02
